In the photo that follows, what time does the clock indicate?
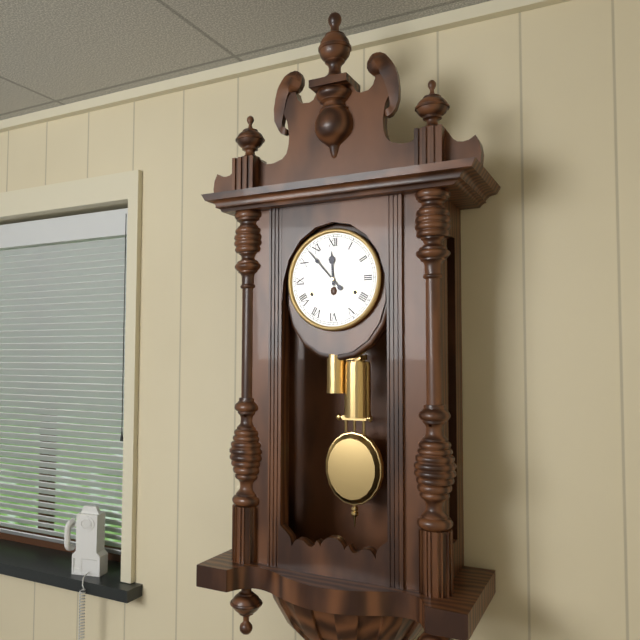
11:53
